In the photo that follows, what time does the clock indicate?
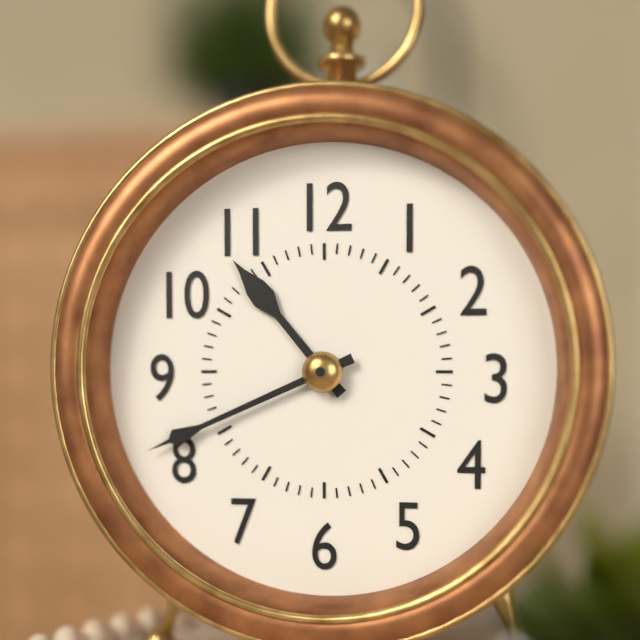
10:41
